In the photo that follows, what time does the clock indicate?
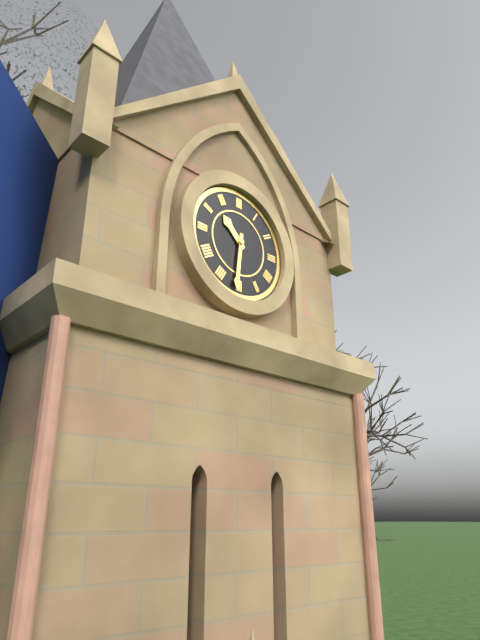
10:31
